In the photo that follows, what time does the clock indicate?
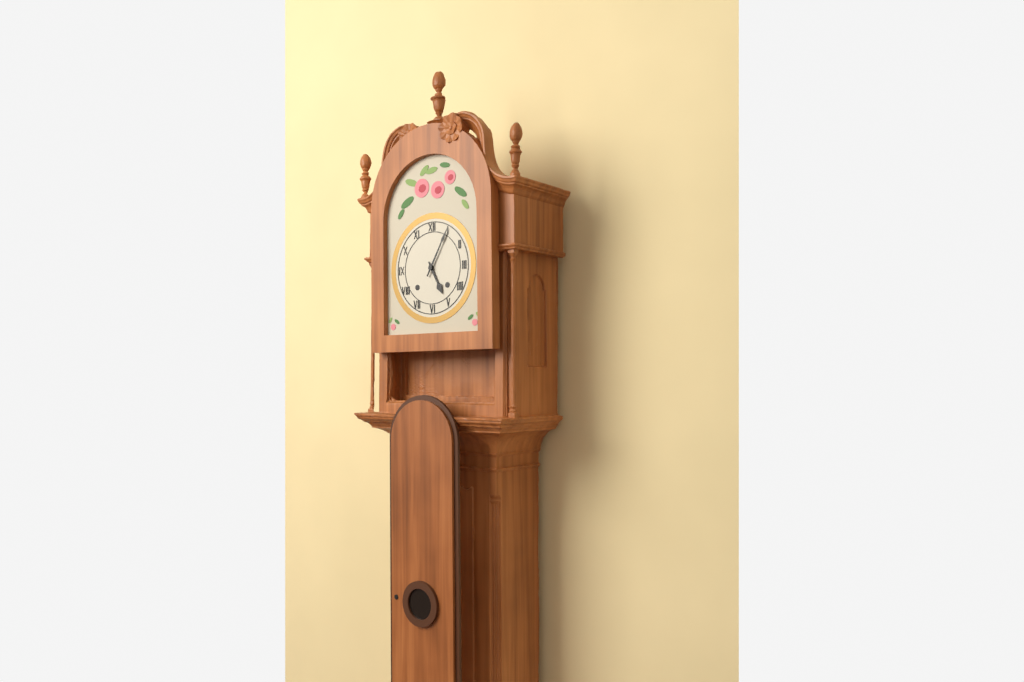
5:05
